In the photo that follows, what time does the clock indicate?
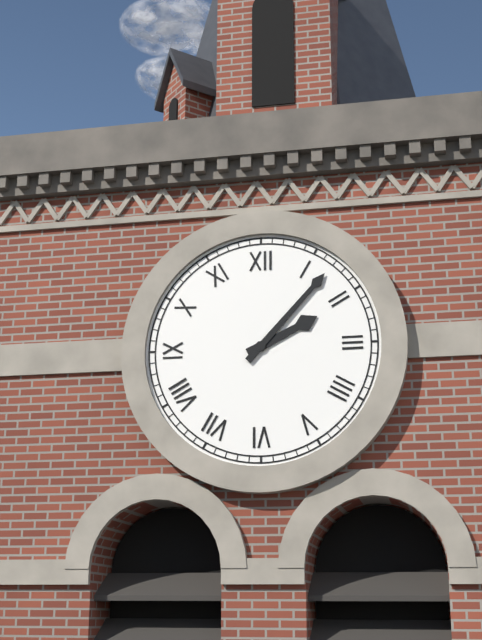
2:07
